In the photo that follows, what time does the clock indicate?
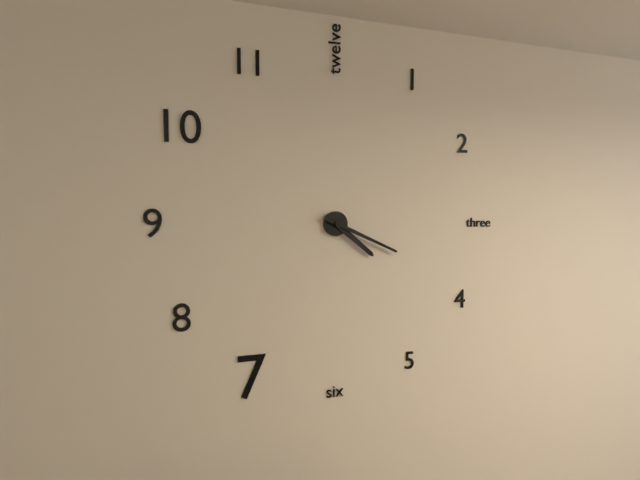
4:19
